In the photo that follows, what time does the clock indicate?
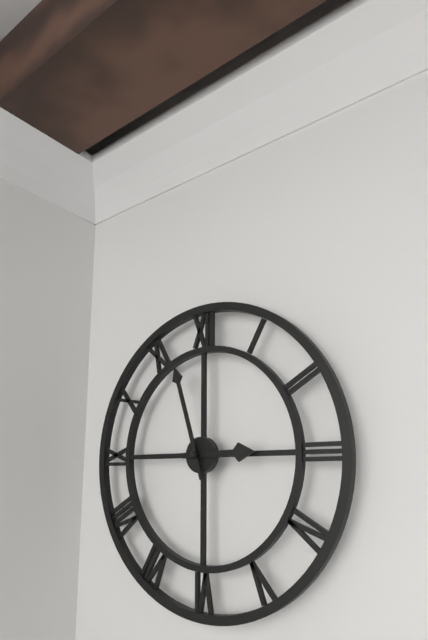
2:57
